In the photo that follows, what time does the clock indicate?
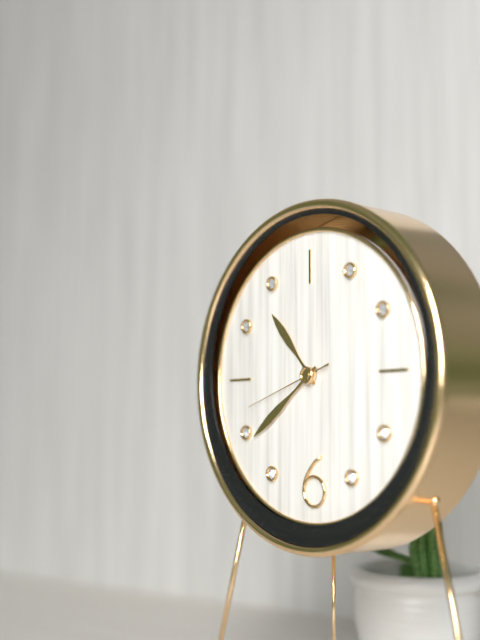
10:39:42
